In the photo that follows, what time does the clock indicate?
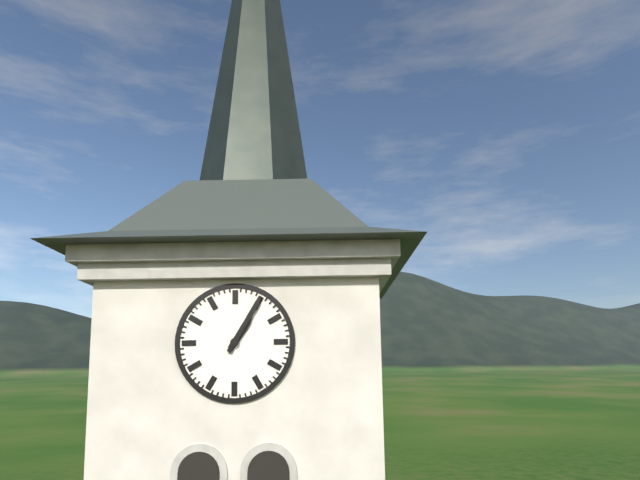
1:05
